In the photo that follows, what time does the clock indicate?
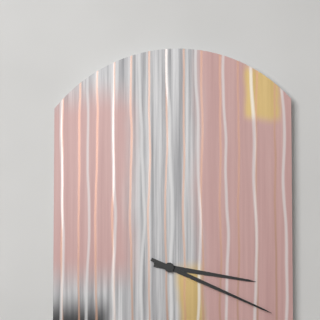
3:19
